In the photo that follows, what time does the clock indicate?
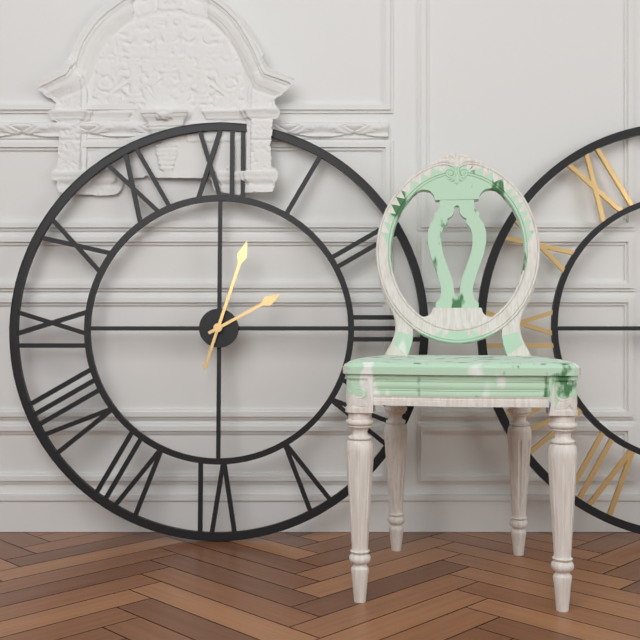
2:03
